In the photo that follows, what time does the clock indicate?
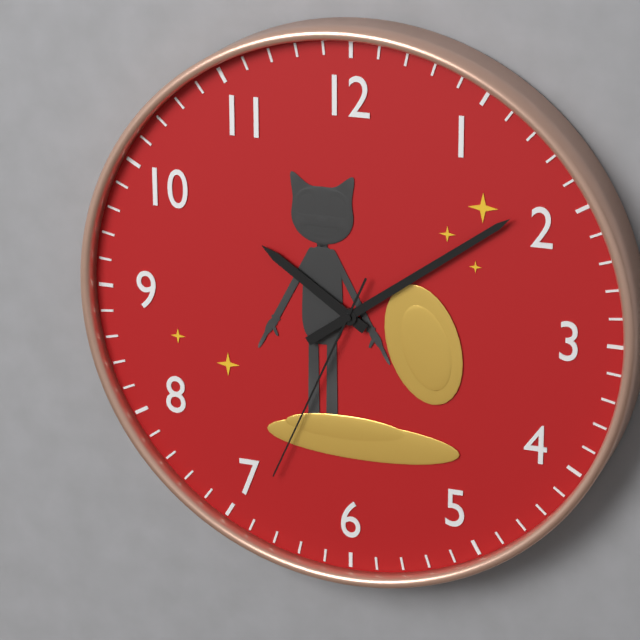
10:09:34
